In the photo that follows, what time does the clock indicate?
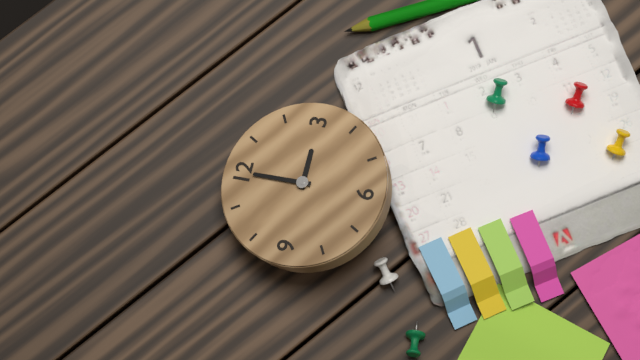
3:00
